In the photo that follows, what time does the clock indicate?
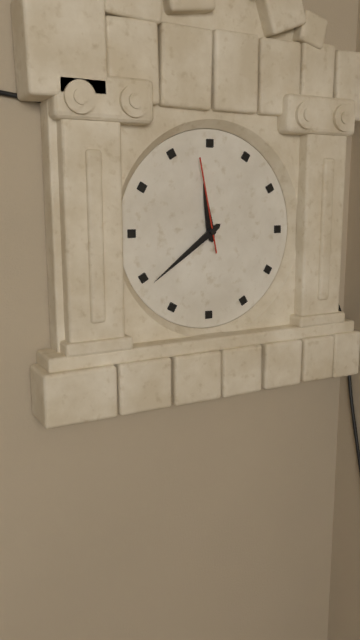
11:39:58
